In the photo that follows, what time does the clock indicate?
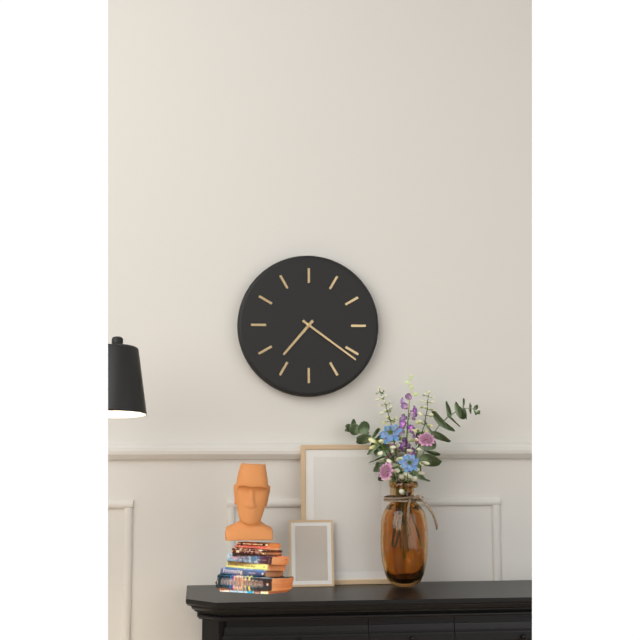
7:21
